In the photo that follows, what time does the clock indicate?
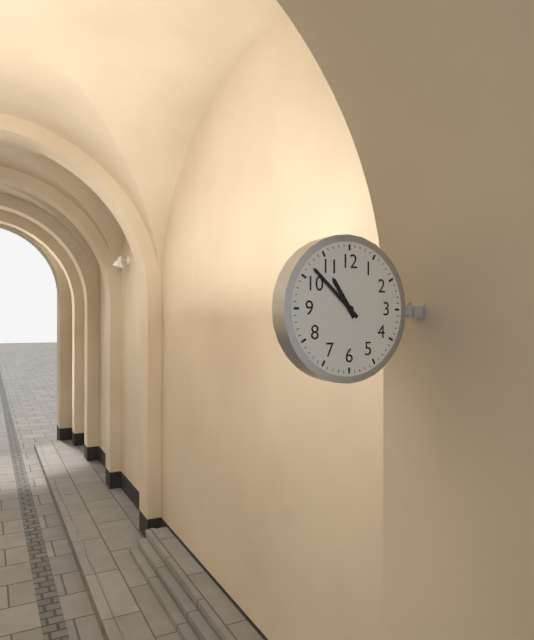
10:52
